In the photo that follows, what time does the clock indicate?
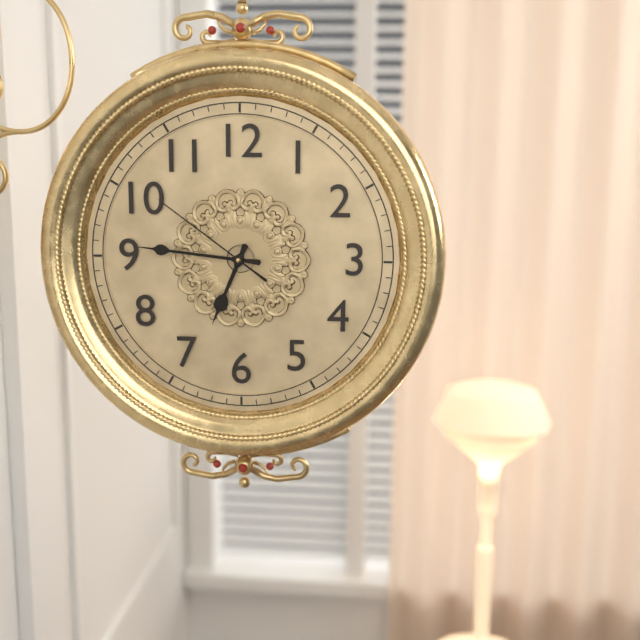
6:46:51
